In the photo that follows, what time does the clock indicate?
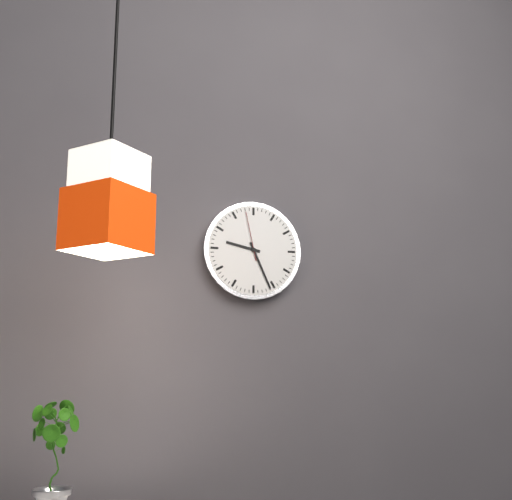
9:26
